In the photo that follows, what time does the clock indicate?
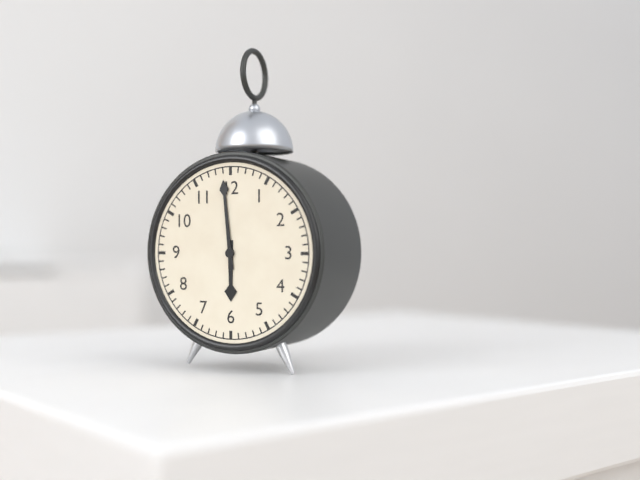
5:59
